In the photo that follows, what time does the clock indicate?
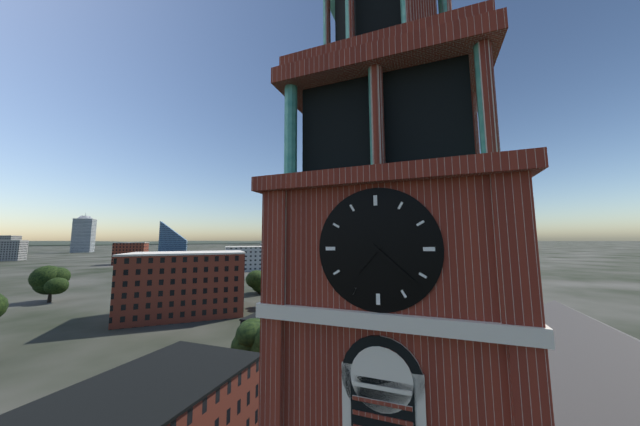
7:22
